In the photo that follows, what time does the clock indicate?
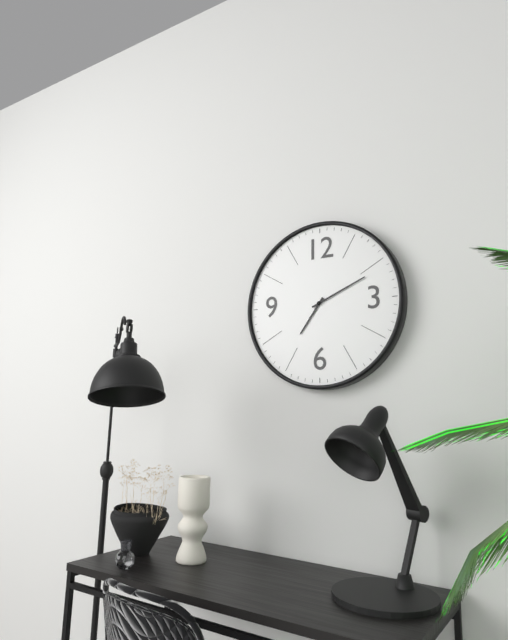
7:11
